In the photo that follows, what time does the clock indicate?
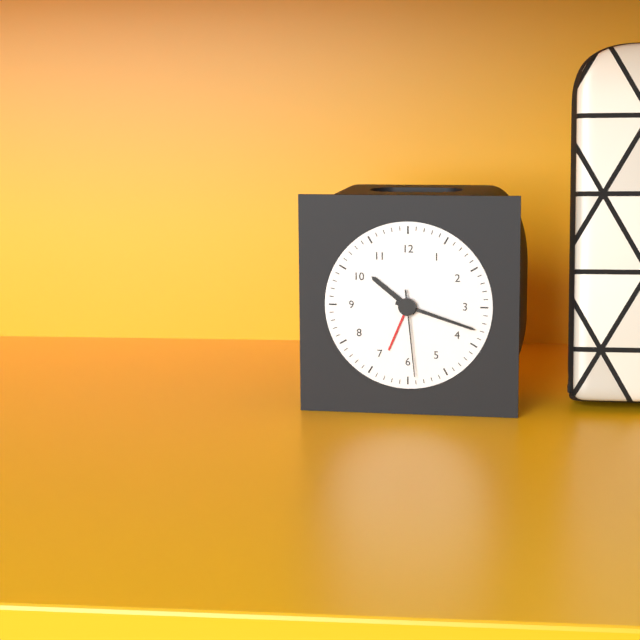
10:18:29
